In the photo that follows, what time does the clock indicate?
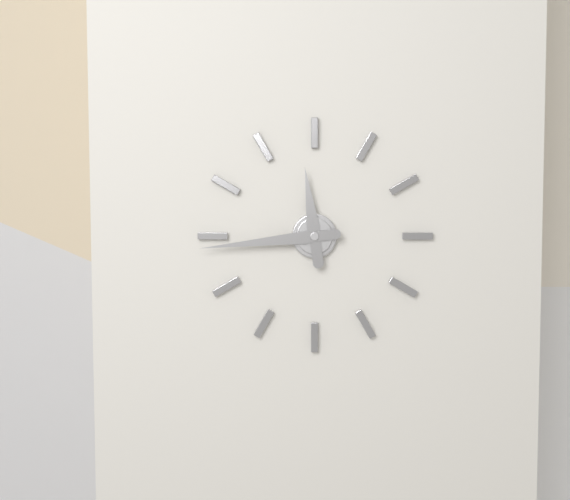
11:44
